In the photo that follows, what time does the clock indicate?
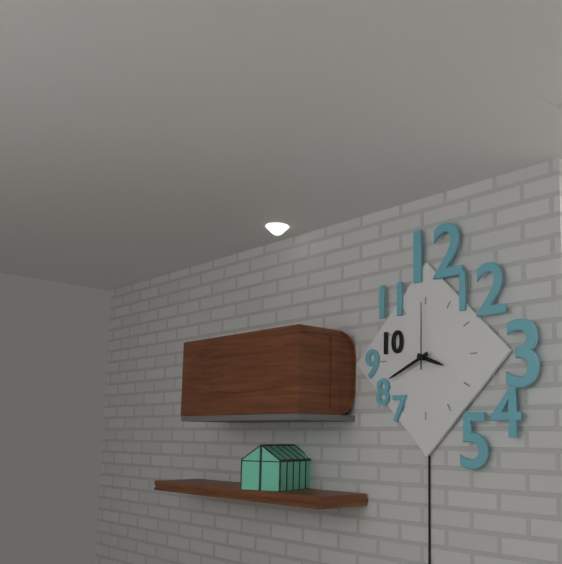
3:41:00
